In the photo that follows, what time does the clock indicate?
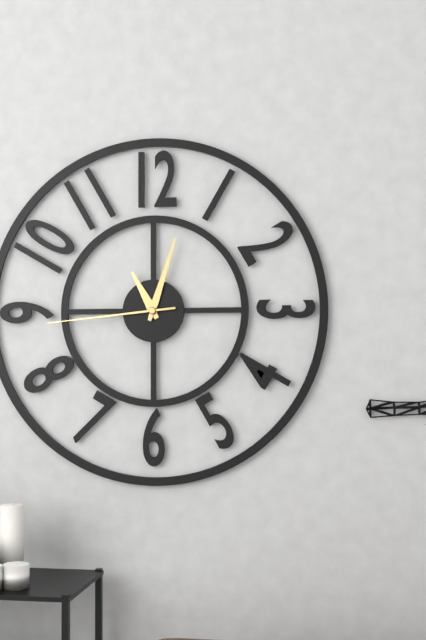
11:03:44
